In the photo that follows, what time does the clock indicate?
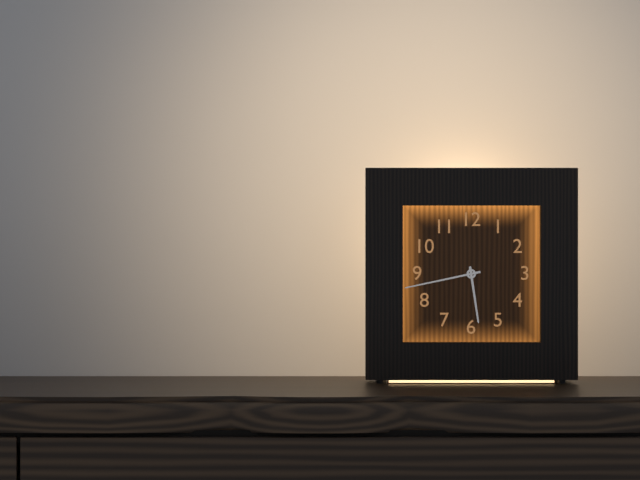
5:43
